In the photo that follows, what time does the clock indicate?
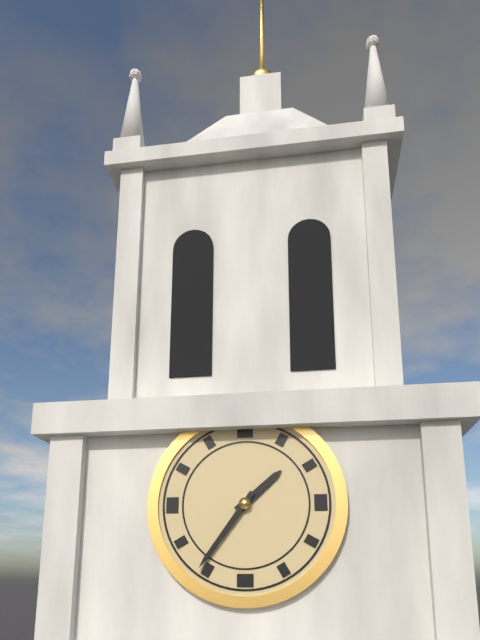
1:36
